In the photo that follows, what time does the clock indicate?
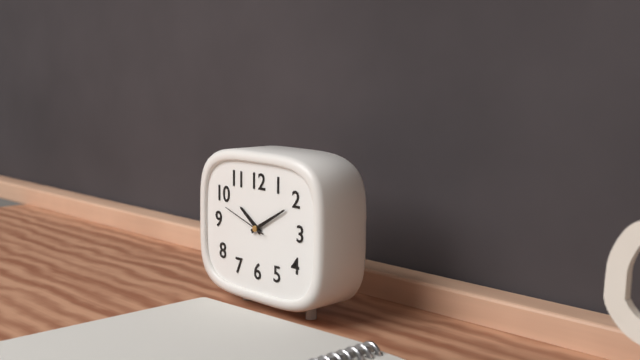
10:10
